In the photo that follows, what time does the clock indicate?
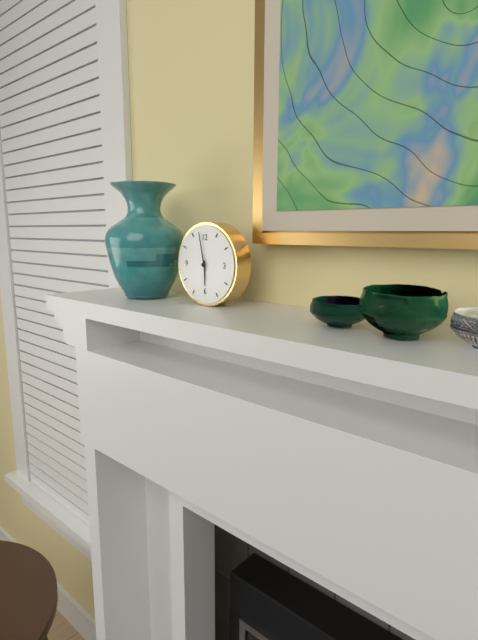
5:58
